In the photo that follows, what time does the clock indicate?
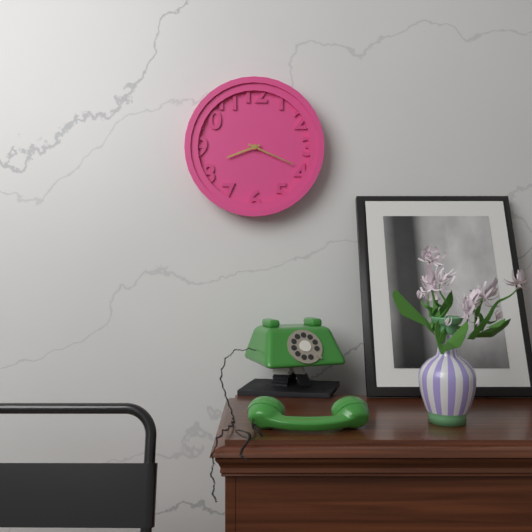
8:19
